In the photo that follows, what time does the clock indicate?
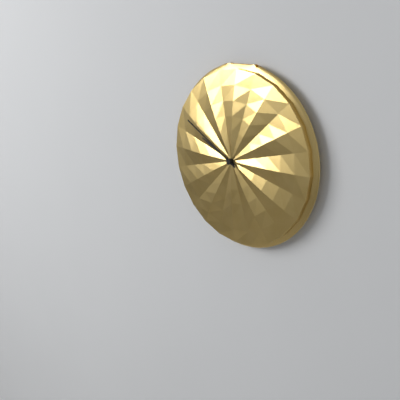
9:50
